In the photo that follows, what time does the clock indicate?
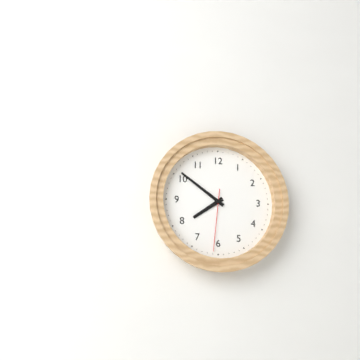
7:51:31
